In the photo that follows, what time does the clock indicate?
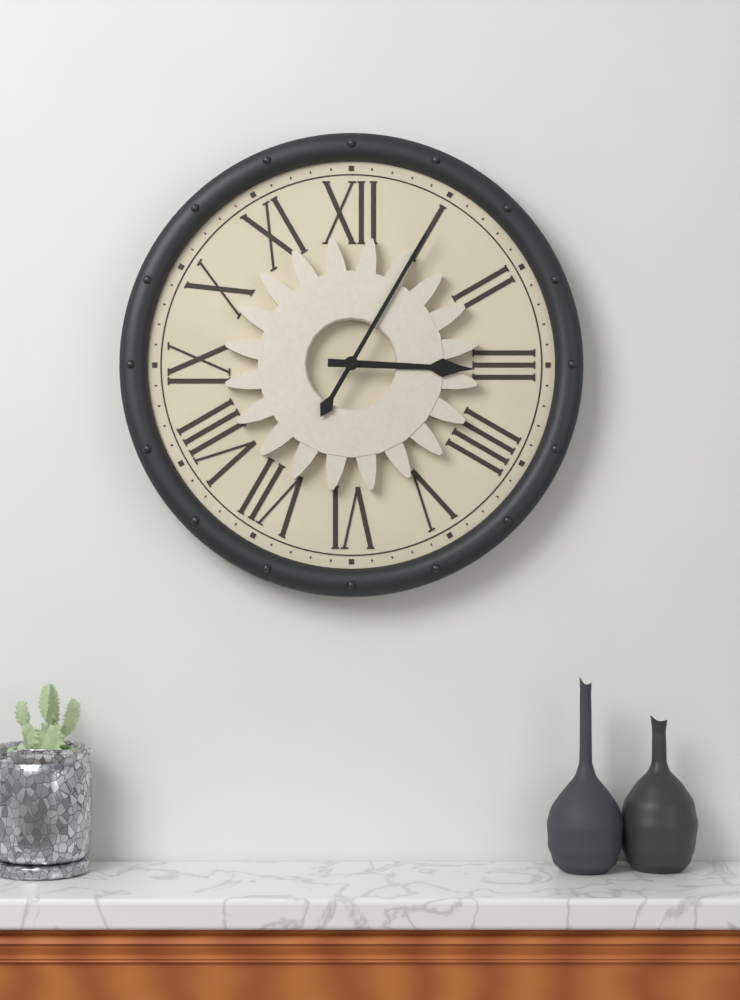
3:05
